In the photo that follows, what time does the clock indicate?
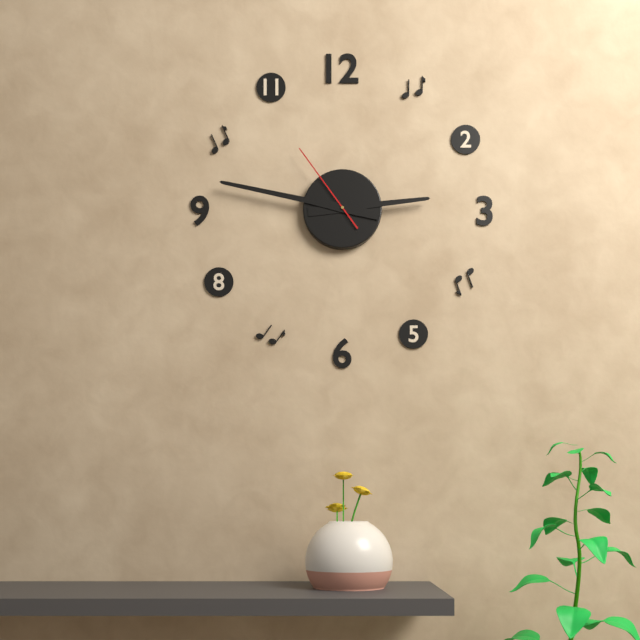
2:47:54
